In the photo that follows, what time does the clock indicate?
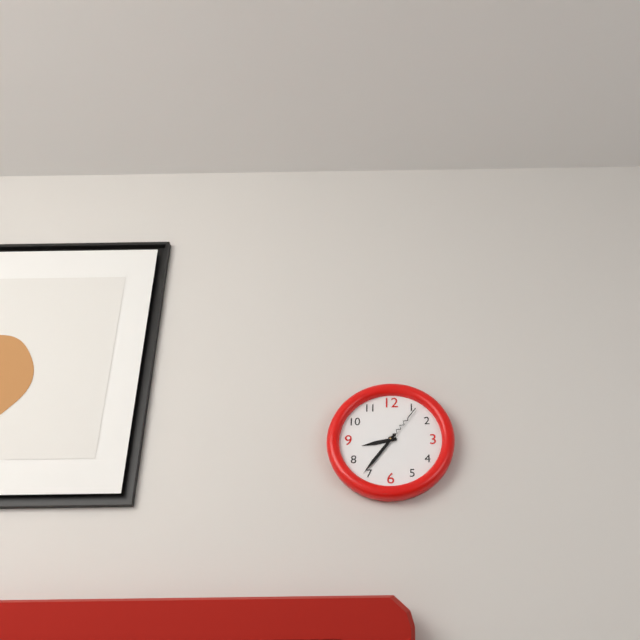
8:36
